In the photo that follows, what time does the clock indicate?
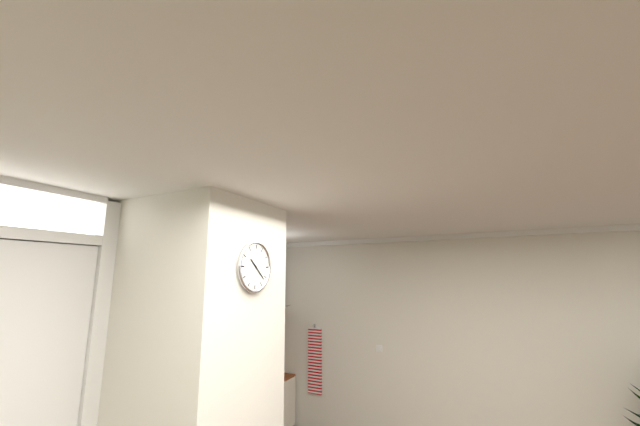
10:22
